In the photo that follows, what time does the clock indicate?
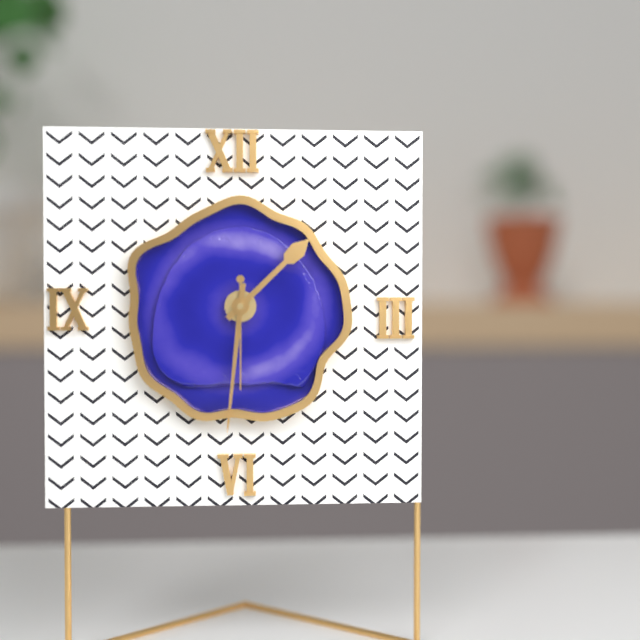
1:31:30
